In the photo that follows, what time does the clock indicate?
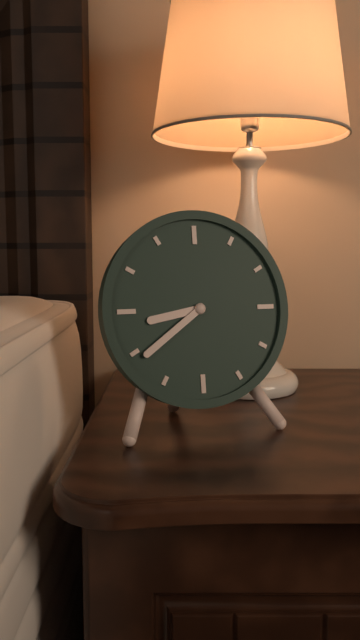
8:39
